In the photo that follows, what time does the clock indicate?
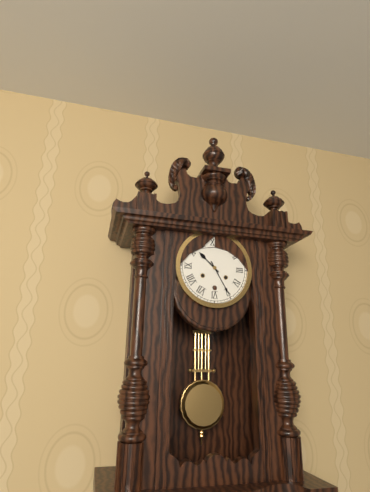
10:25
